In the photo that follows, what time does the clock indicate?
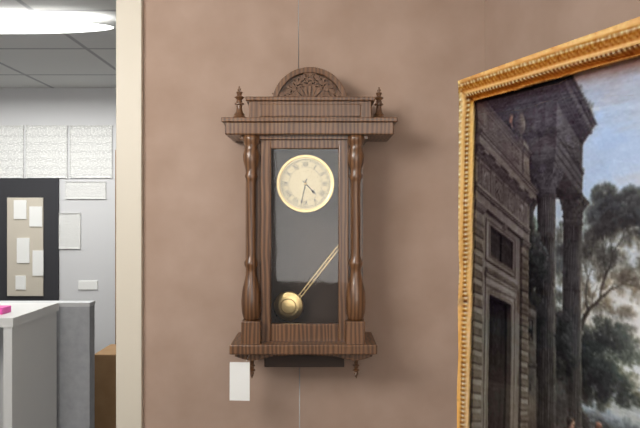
4:32
